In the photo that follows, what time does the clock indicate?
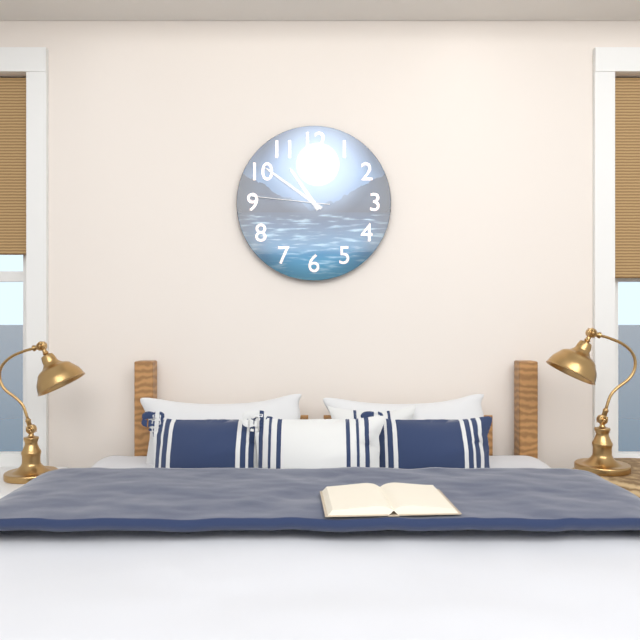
10:51:46
